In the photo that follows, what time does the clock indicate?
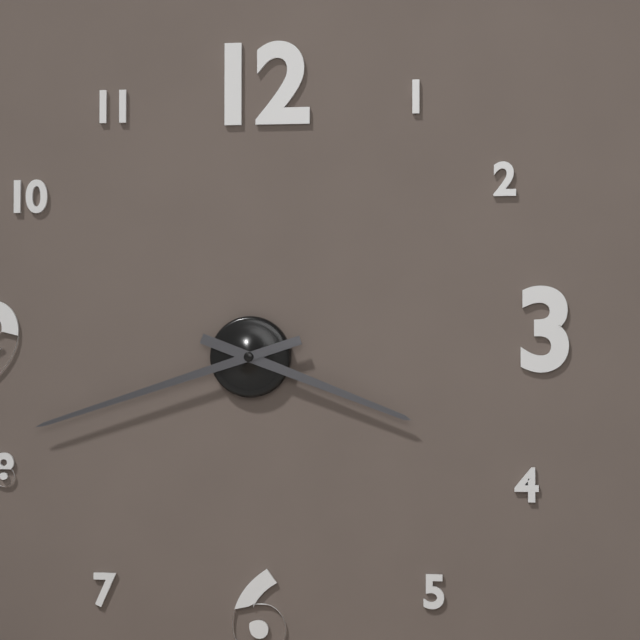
3:42
